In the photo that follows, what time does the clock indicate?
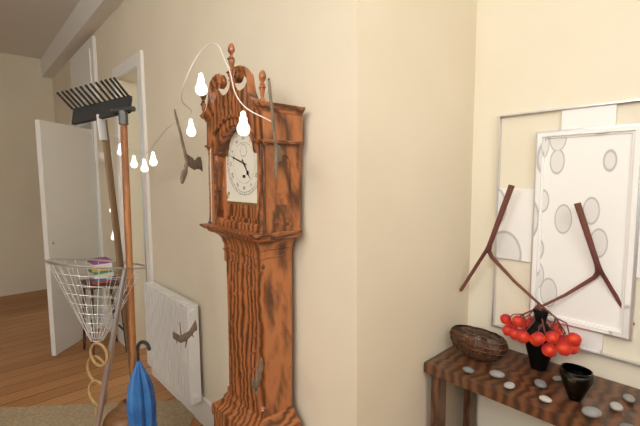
4:48
